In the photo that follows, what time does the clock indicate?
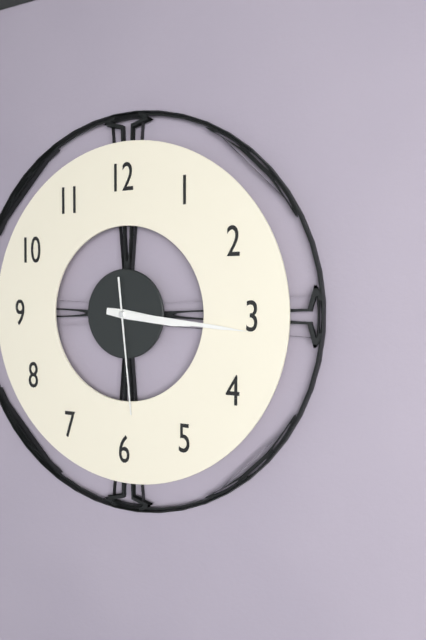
3:16:29
